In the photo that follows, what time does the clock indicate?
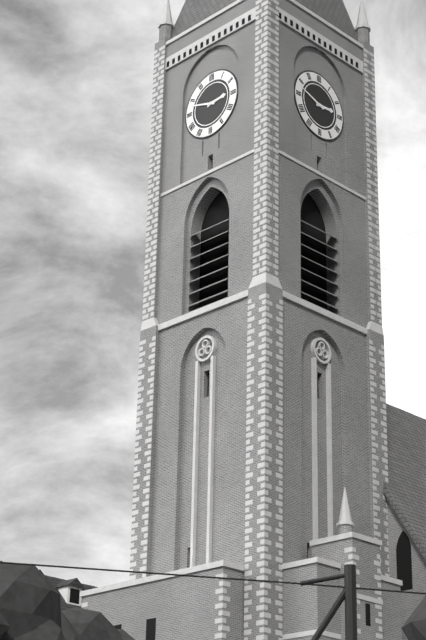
2:48
